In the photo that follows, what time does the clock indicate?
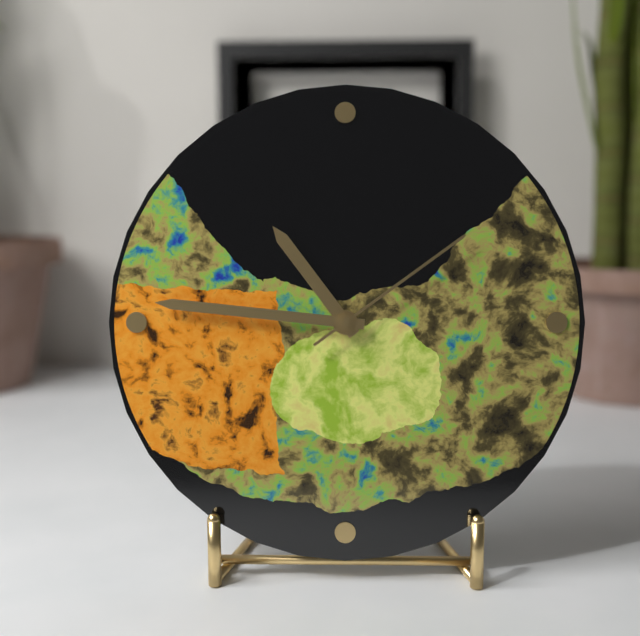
10:46:09
